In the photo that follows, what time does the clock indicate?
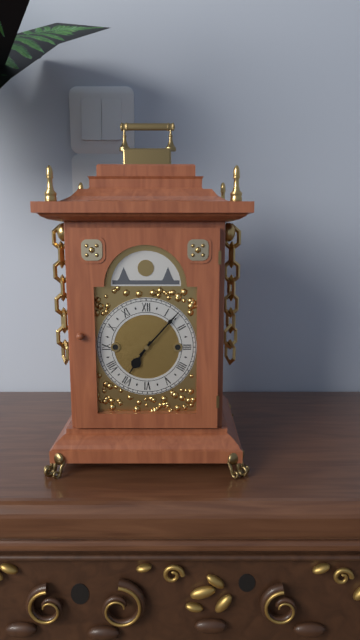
7:07
